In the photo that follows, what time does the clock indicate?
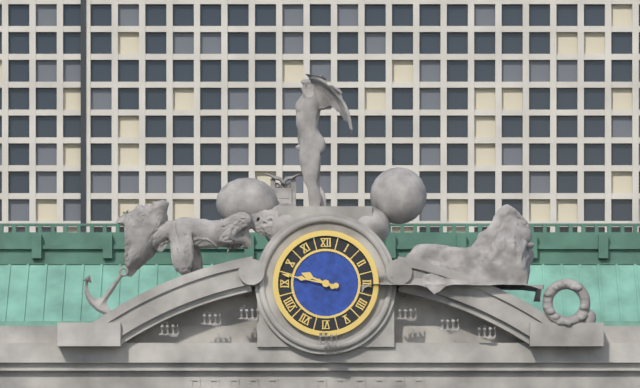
9:47
